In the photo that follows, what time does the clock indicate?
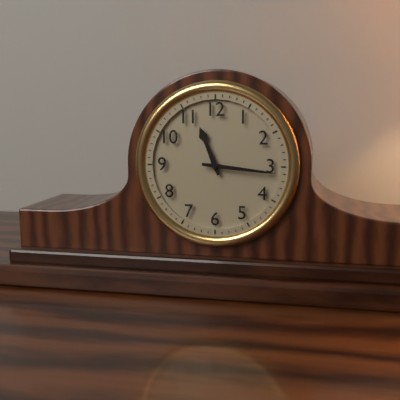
11:16
